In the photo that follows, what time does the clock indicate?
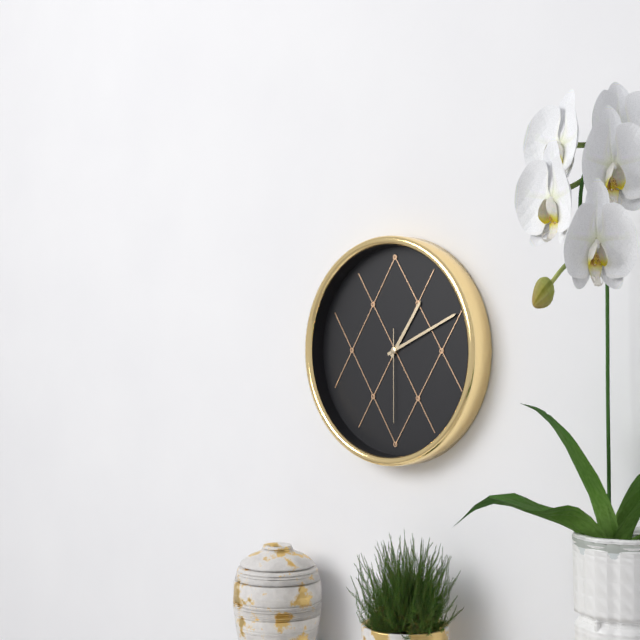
1:11:30
